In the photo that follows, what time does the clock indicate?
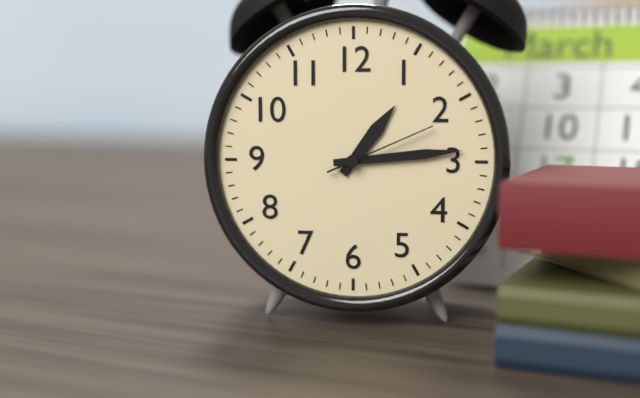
1:14:11
